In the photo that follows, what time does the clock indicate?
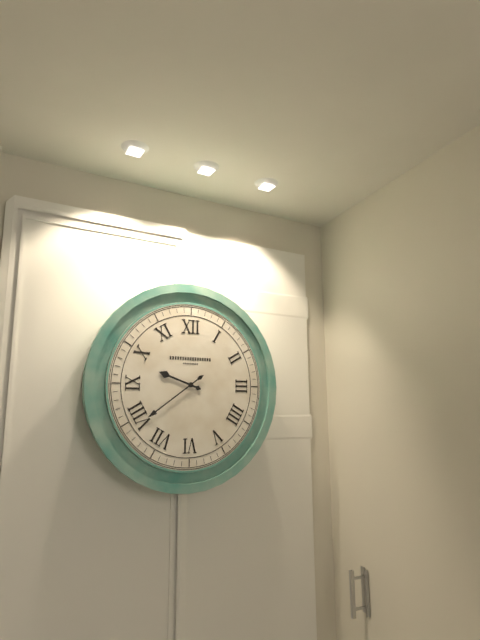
9:39
